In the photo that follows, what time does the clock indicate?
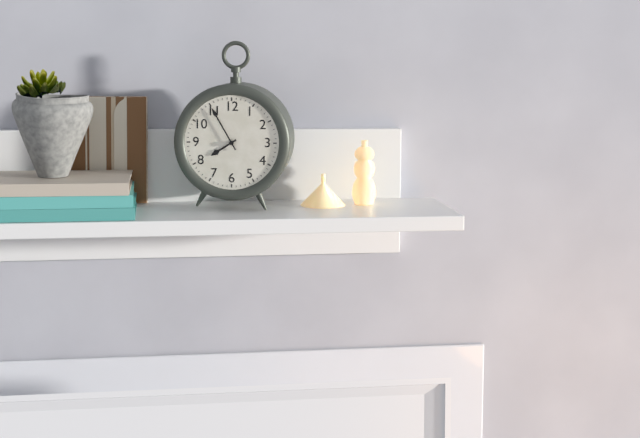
7:55
